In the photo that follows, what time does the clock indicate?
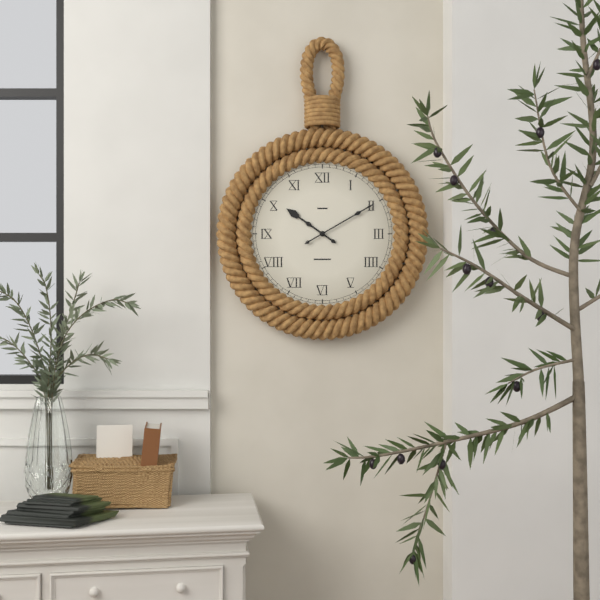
10:10
